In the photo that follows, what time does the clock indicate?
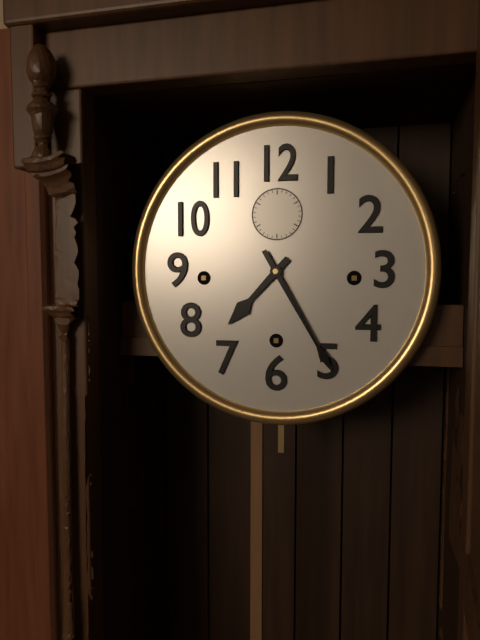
7:25
